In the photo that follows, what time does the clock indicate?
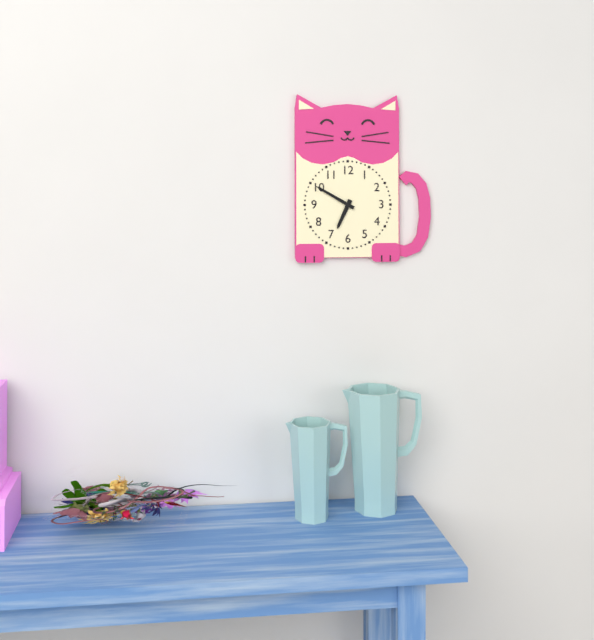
6:50
